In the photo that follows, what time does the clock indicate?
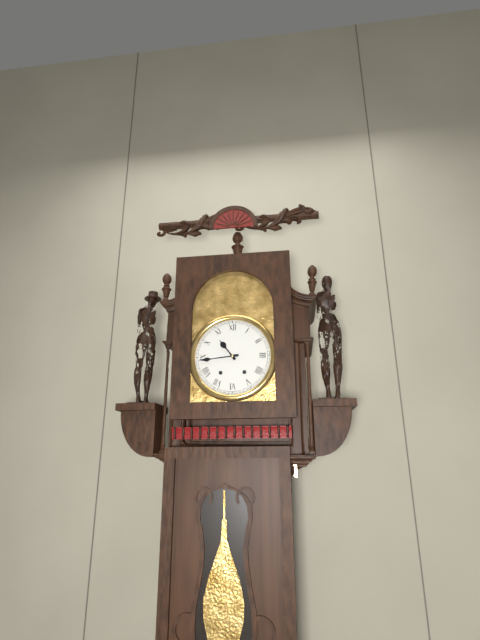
10:44
